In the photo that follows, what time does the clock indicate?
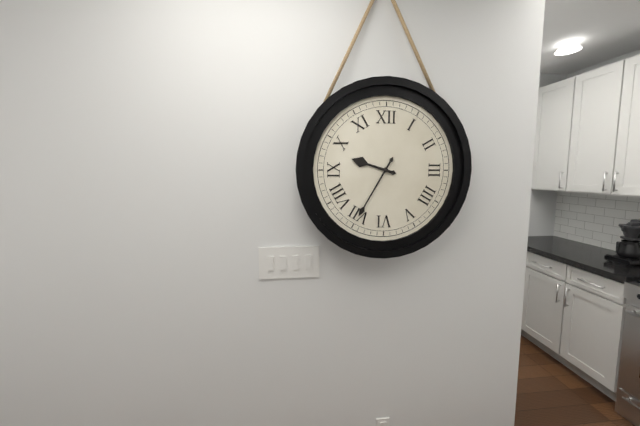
9:35
